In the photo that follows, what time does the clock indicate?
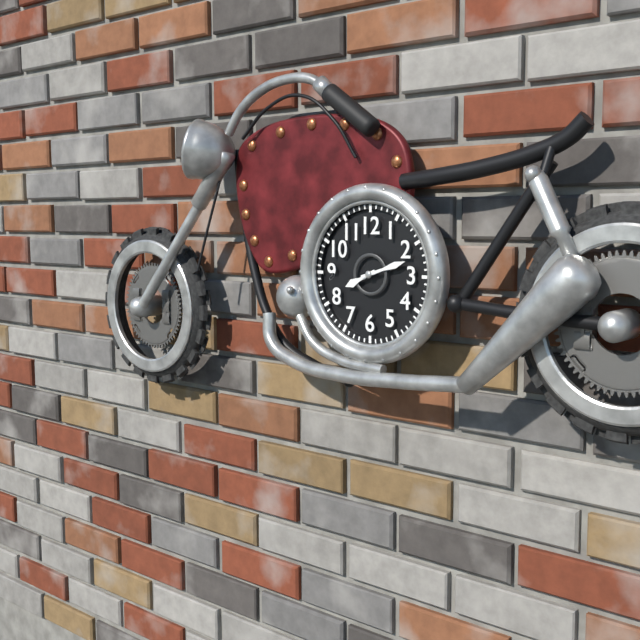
8:12
